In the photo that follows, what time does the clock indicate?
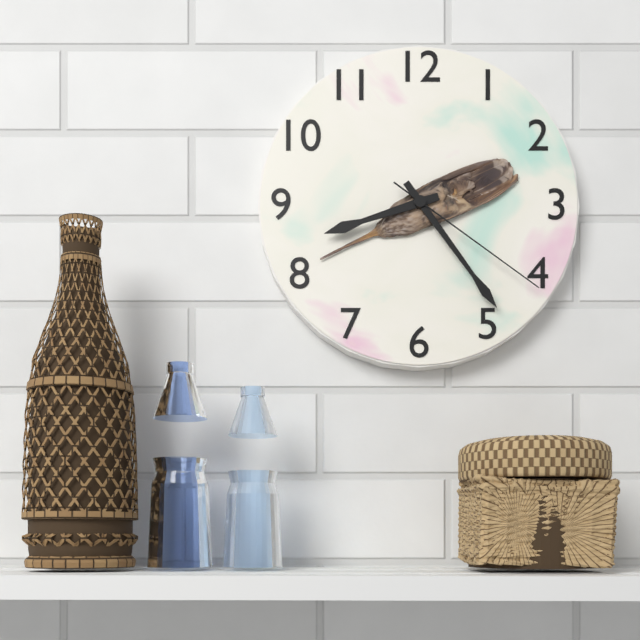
8:24:21
